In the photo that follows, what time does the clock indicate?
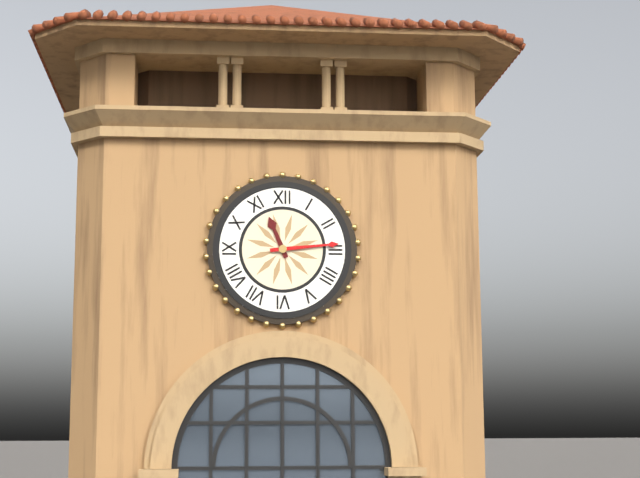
11:14
